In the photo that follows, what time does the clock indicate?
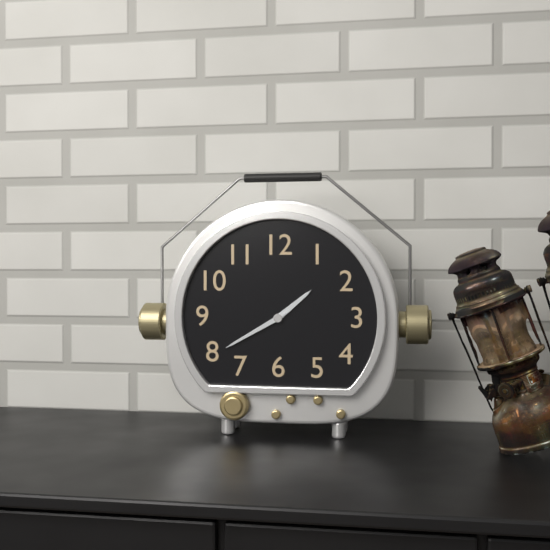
1:40
